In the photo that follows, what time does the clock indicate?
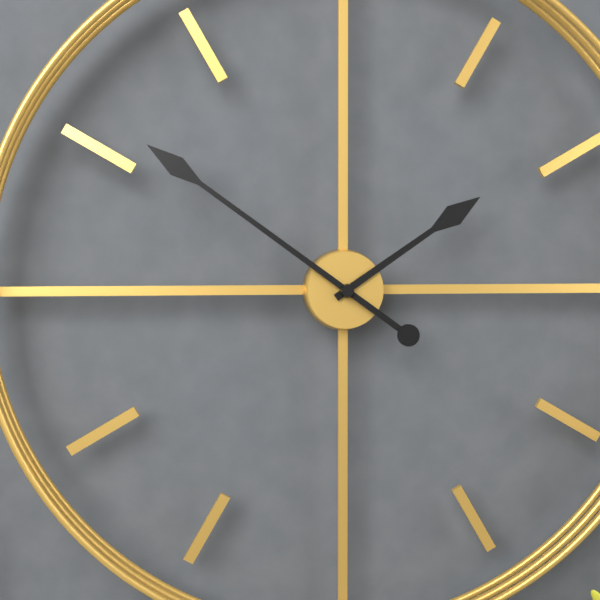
1:51
